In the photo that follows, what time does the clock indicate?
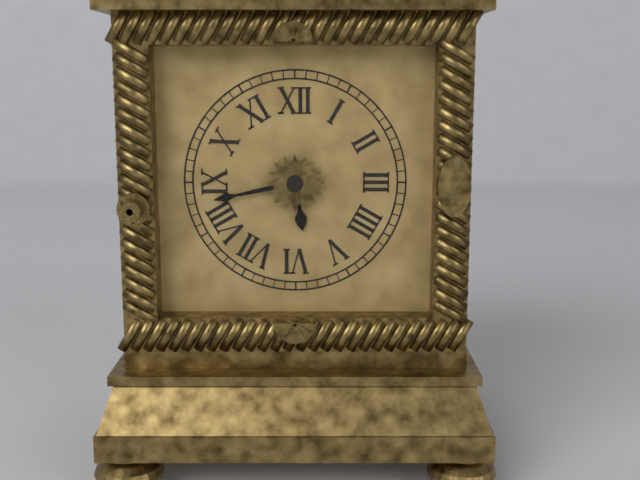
5:43
